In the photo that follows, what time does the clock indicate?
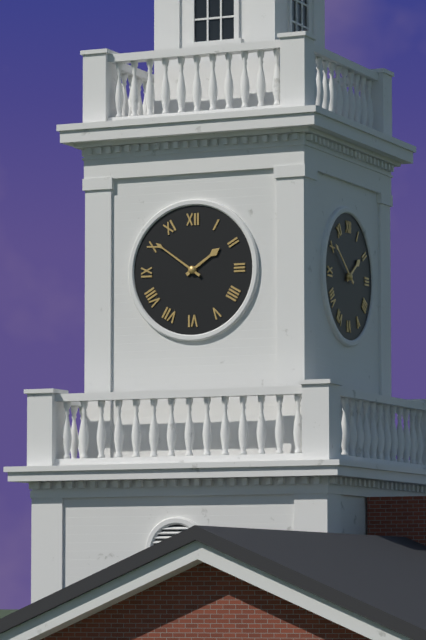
1:51
